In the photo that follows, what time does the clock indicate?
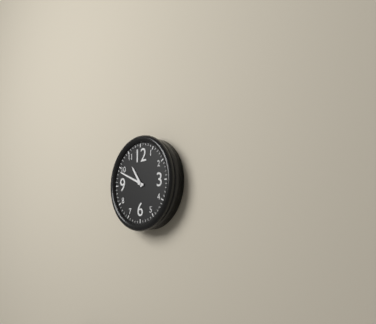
10:49
